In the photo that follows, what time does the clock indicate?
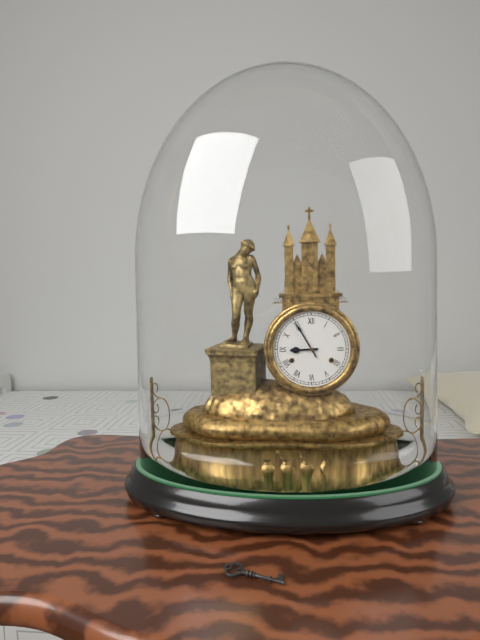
8:55
